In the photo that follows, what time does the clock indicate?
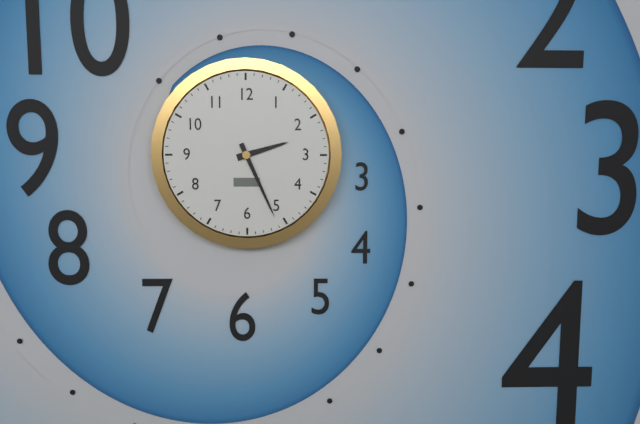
2:26
